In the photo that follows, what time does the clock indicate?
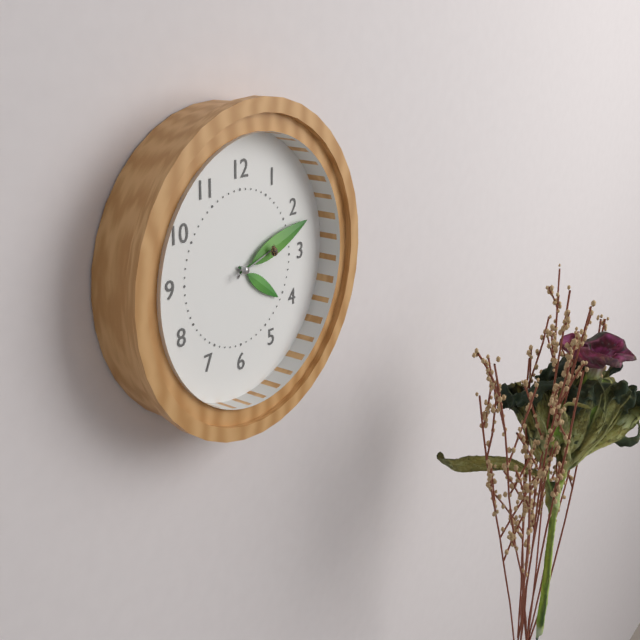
4:12
